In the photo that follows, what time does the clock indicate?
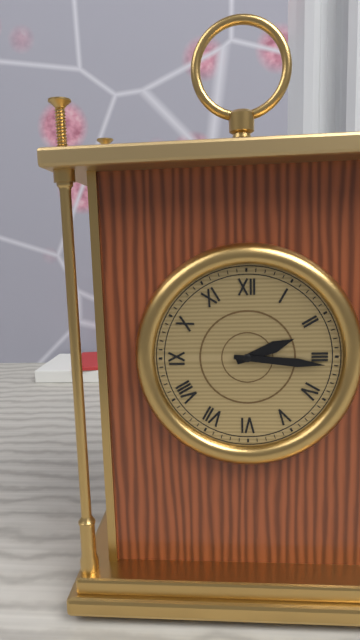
2:16
